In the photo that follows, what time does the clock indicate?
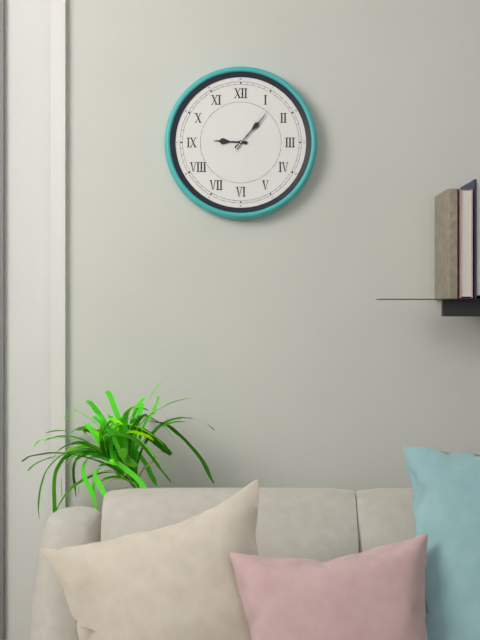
9:07:06
